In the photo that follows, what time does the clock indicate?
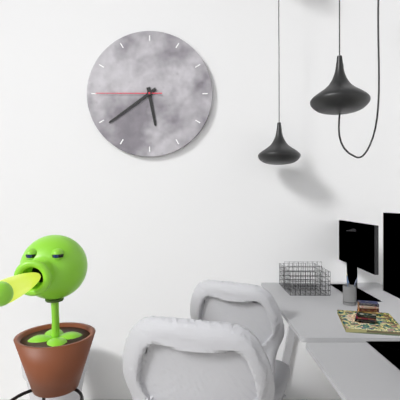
5:39:45
